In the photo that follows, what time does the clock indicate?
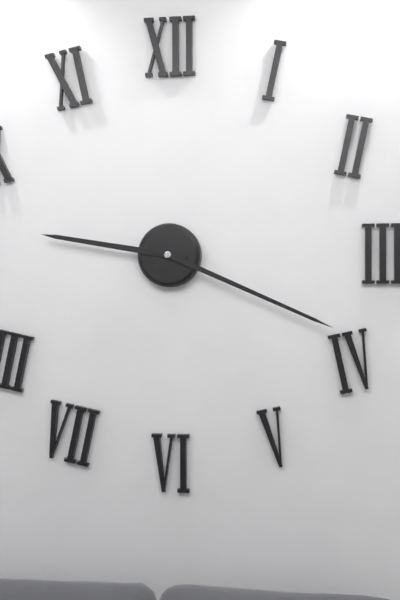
9:19
